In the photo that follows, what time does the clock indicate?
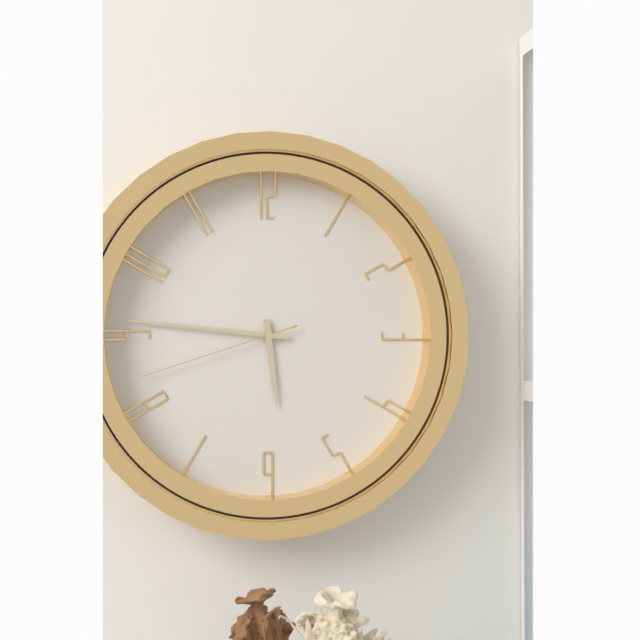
5:46:42
